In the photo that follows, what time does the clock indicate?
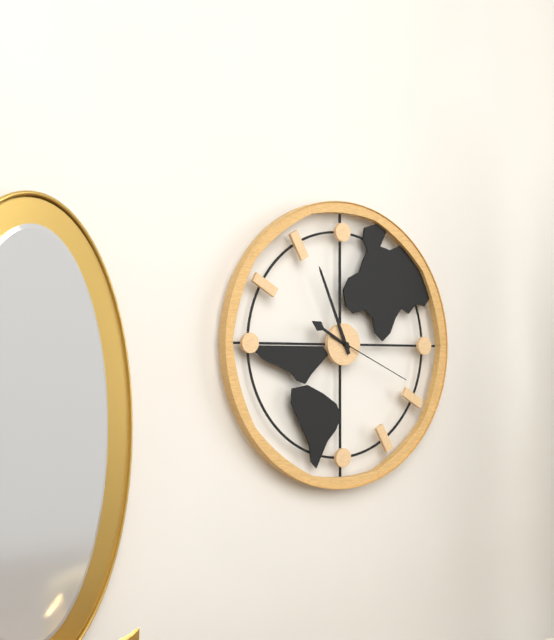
9:56:19
